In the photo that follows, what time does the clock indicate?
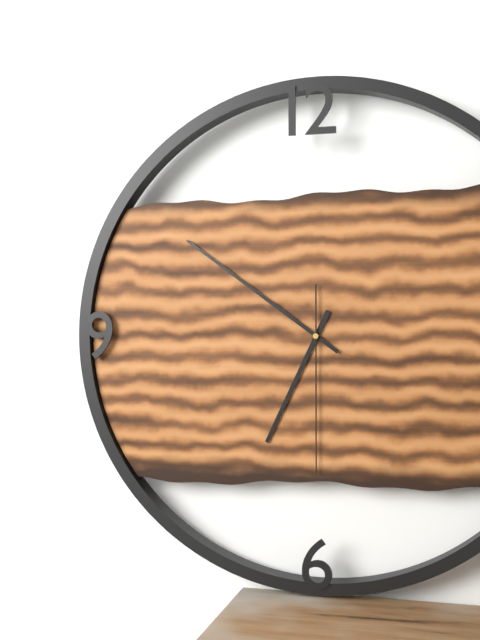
6:51:30
